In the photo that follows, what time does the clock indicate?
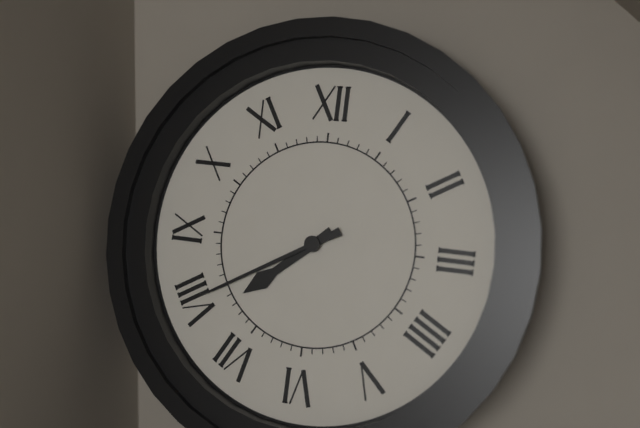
7:40
